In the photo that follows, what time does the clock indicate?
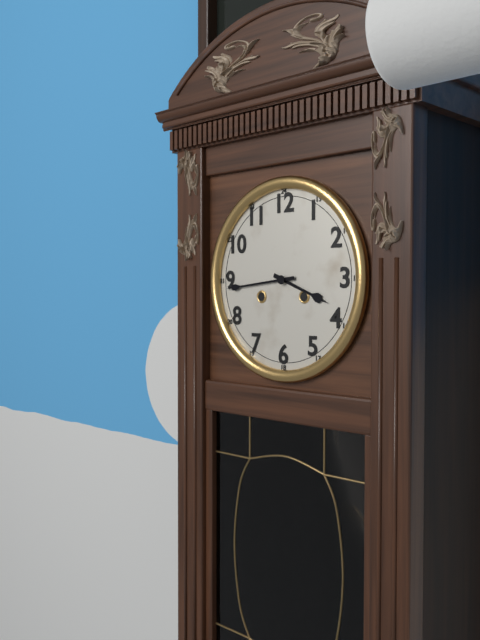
3:44
